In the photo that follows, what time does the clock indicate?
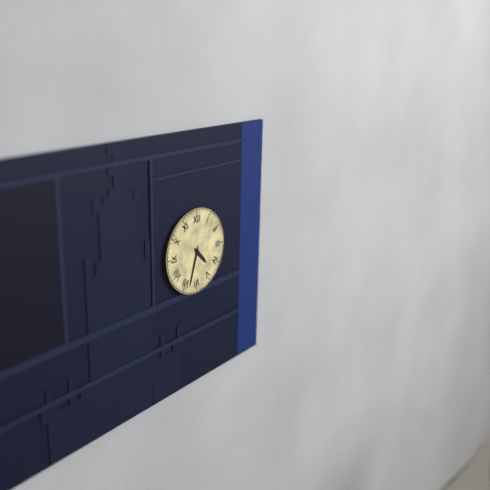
4:33
